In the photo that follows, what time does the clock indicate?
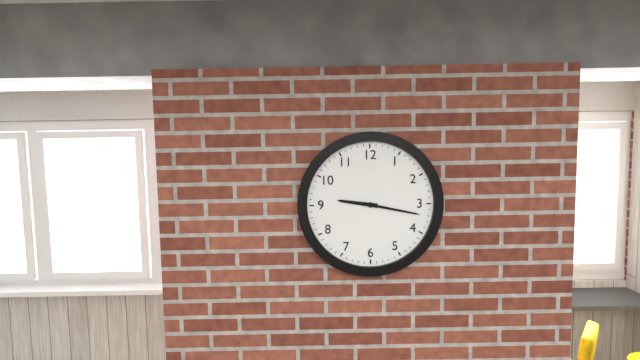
9:17
